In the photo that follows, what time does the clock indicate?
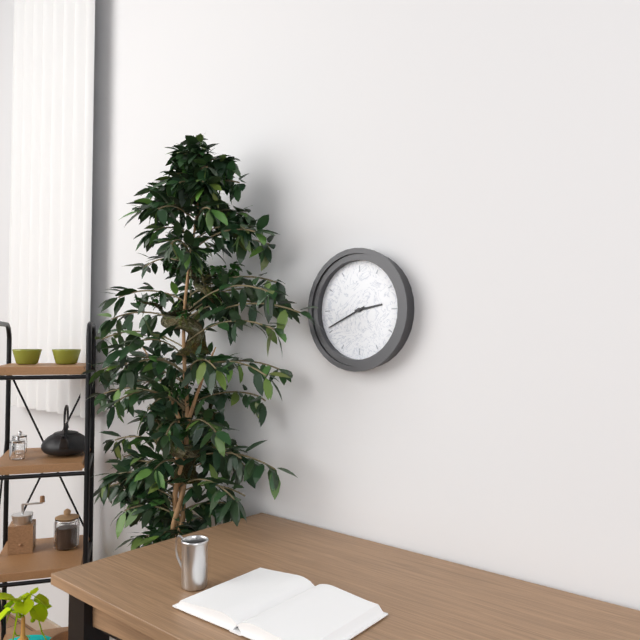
2:41
